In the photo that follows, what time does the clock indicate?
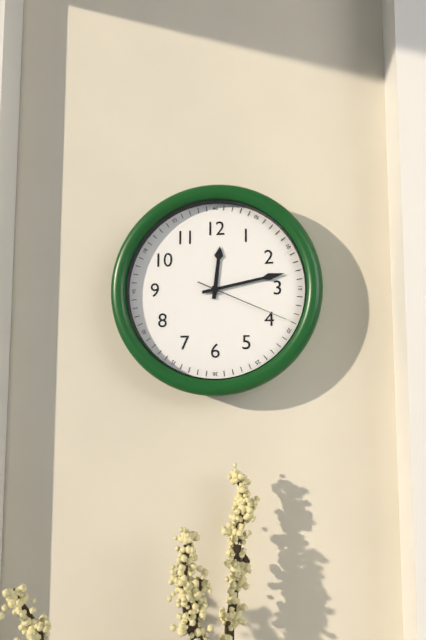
12:13:19
